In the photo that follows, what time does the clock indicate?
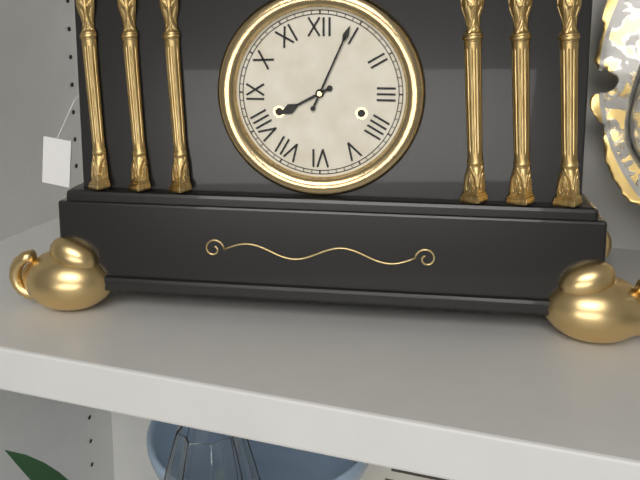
8:04
